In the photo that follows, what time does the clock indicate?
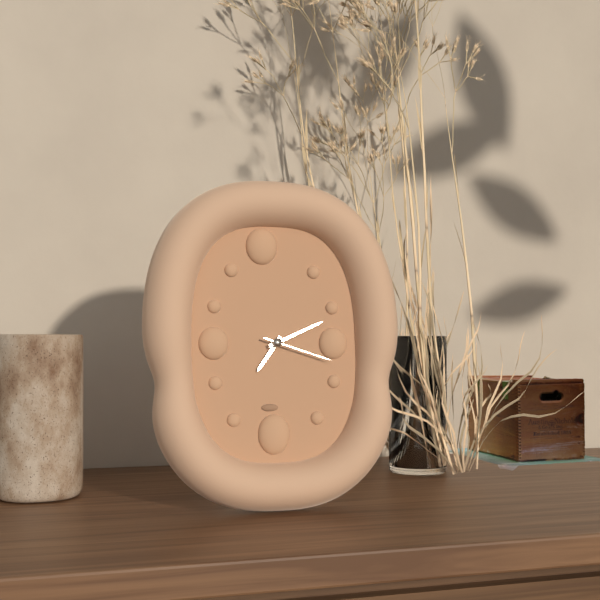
7:11:18
